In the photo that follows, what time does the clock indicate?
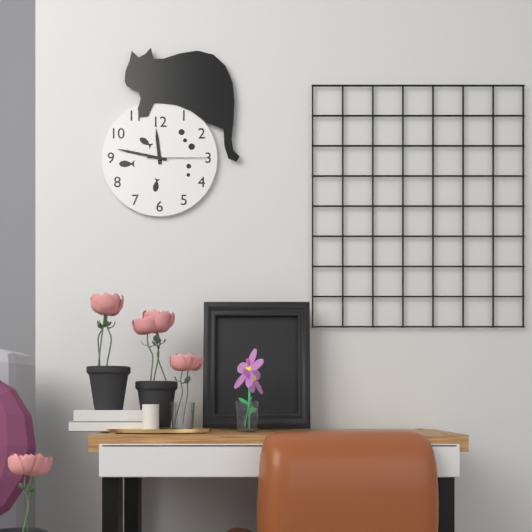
11:47:15
